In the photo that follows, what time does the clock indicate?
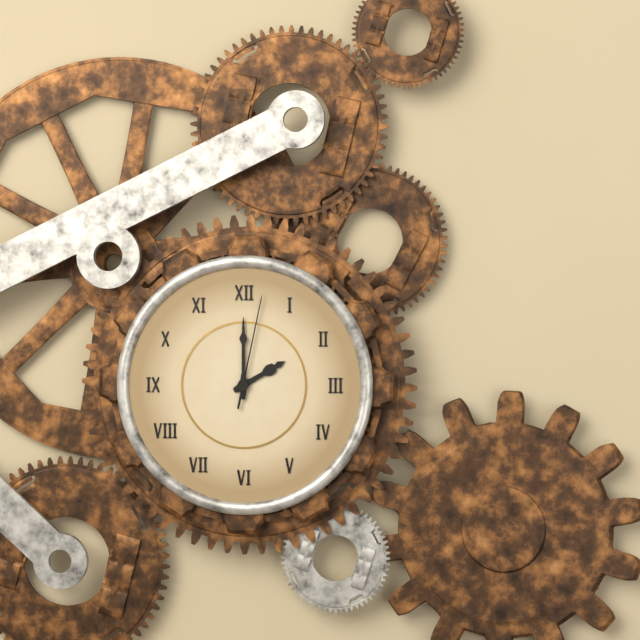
2:00:02
